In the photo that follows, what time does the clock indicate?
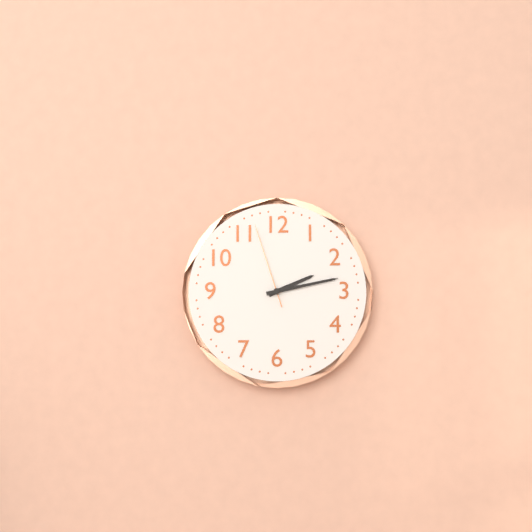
2:13:57
